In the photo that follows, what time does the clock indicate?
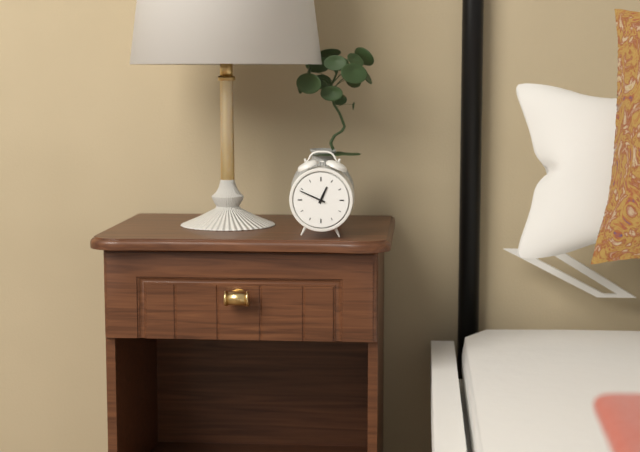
12:49
